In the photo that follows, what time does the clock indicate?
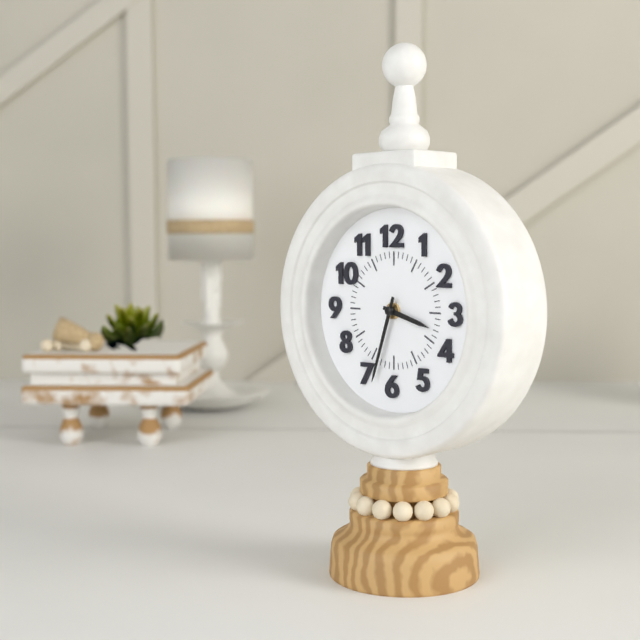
3:33
